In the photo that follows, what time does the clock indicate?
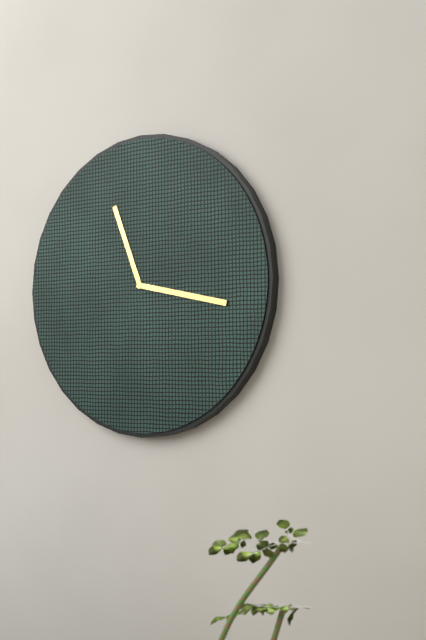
11:17
